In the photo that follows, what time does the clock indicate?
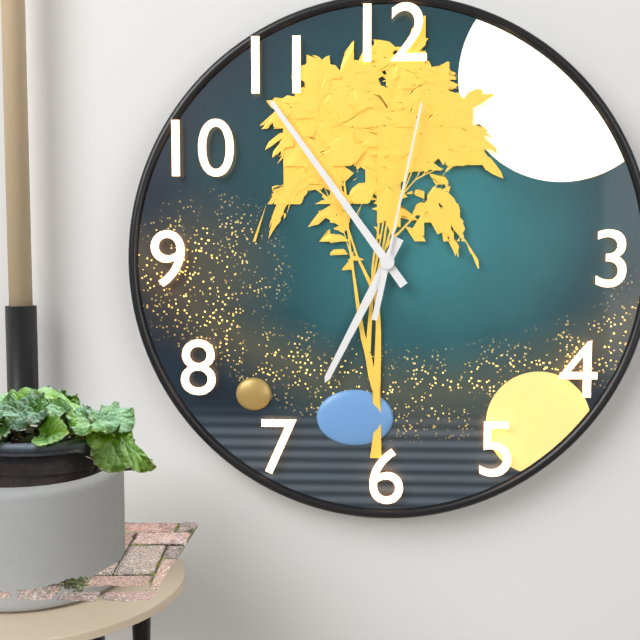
6:54:02
